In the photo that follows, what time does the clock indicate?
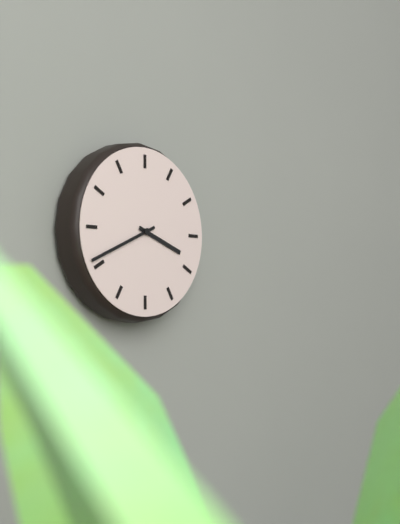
3:41
